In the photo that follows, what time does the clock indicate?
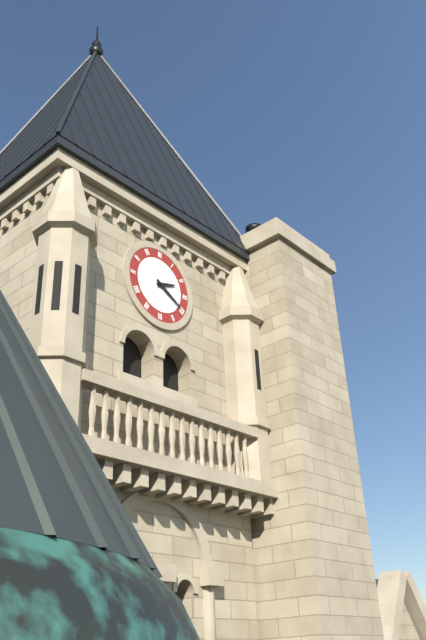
2:20
